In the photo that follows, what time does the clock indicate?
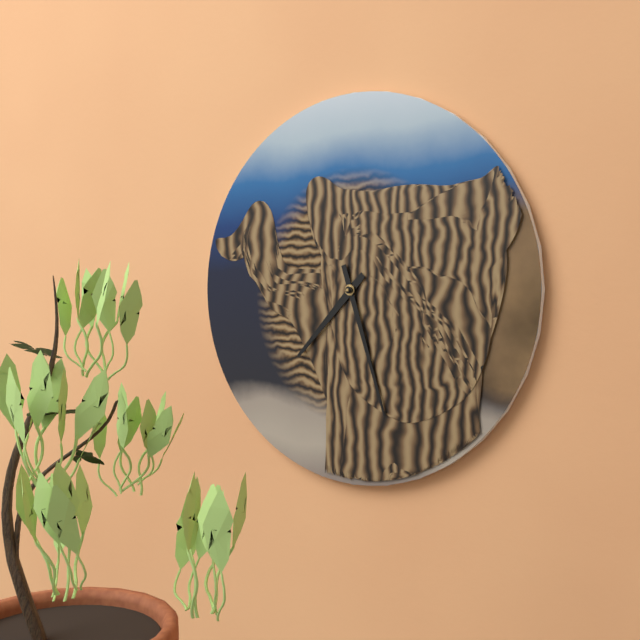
7:27
